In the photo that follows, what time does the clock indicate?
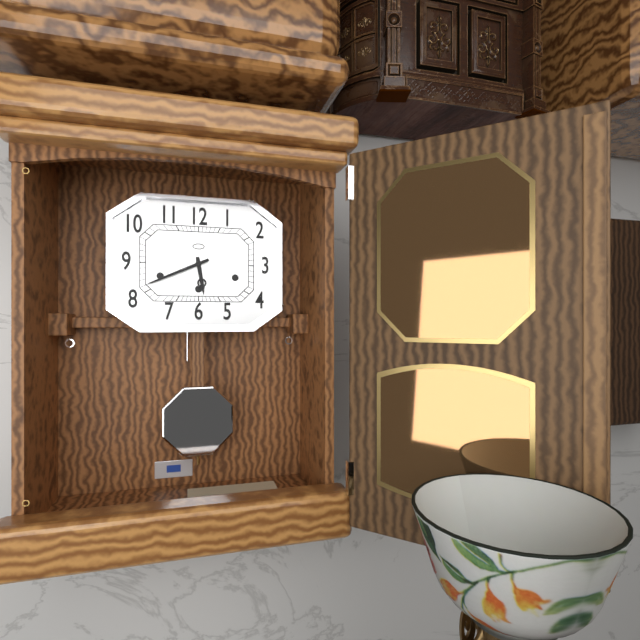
5:41
